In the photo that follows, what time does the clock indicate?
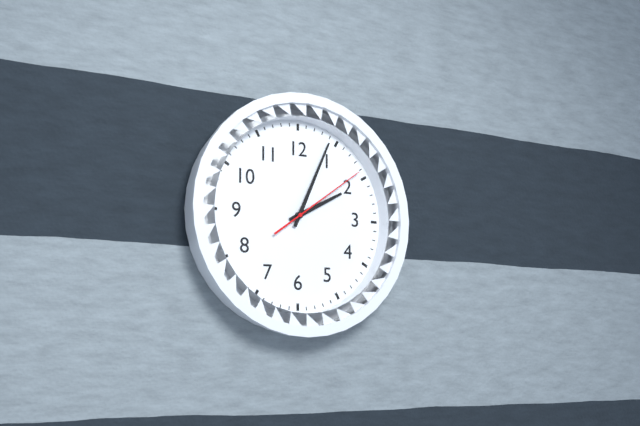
2:04:09
